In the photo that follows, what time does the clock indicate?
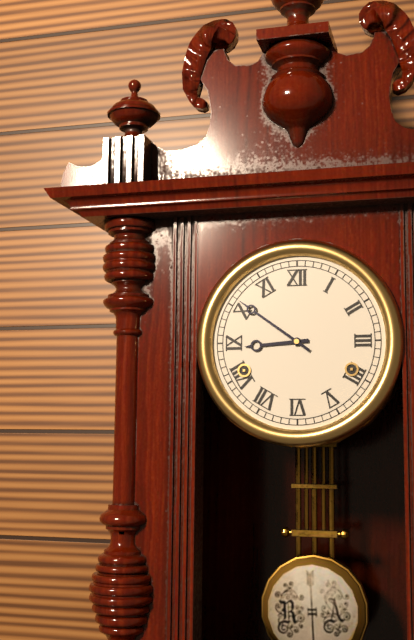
8:51
